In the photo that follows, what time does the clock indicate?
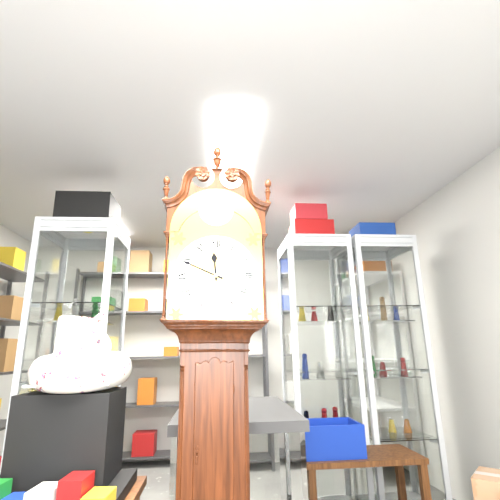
11:49
